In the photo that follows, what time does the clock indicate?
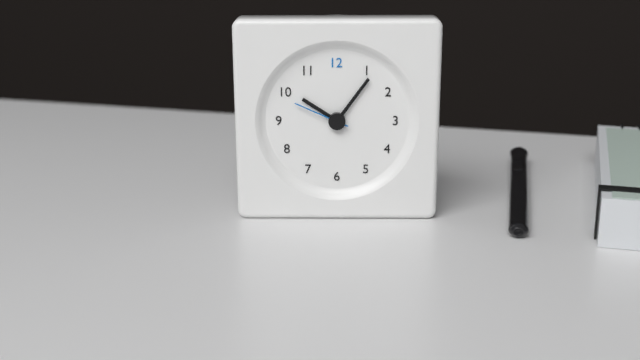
10:06:49
